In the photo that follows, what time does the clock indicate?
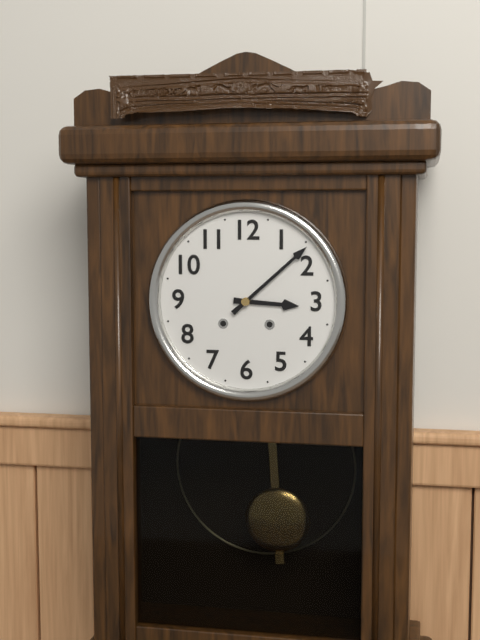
3:08
